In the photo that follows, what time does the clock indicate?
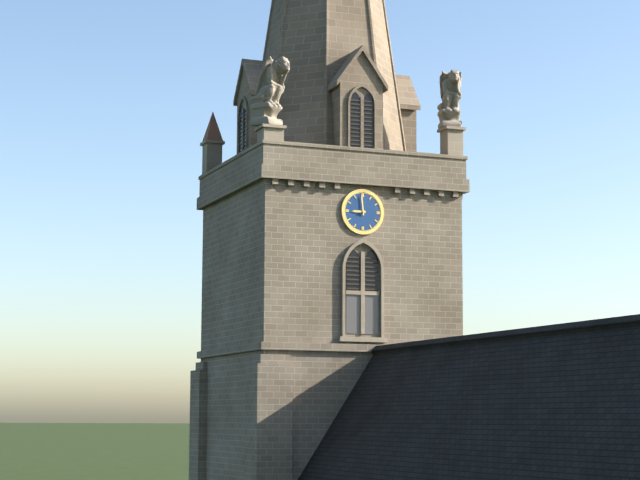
8:59
